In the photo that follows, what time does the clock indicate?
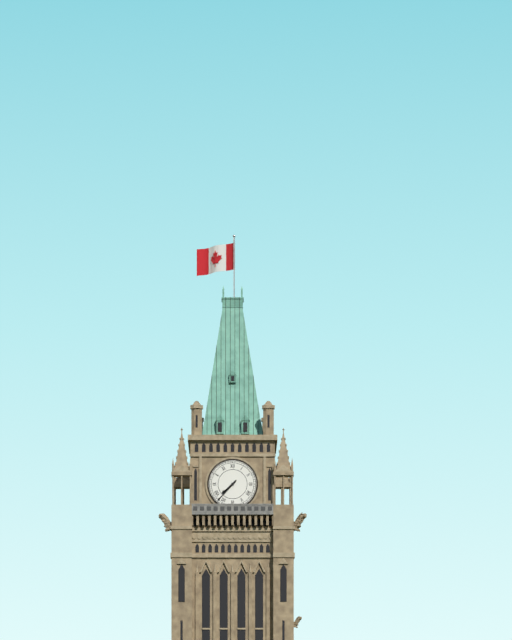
7:37
